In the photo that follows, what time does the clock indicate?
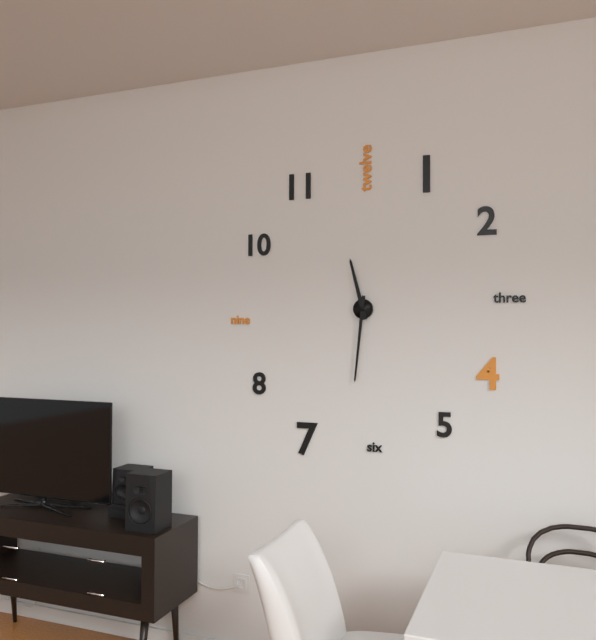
11:31
